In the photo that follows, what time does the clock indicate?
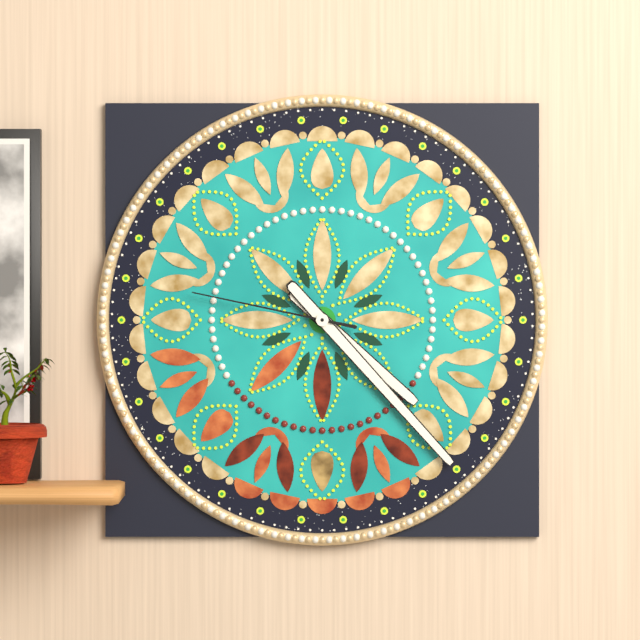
4:23:47
